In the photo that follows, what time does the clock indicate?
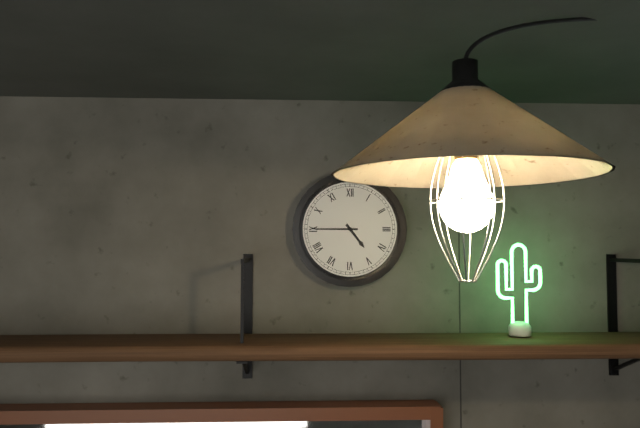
4:45
